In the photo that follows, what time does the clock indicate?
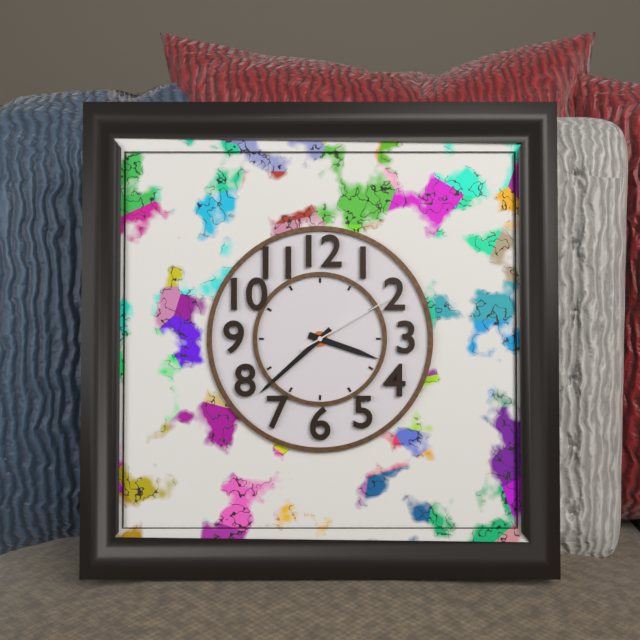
3:38:10
